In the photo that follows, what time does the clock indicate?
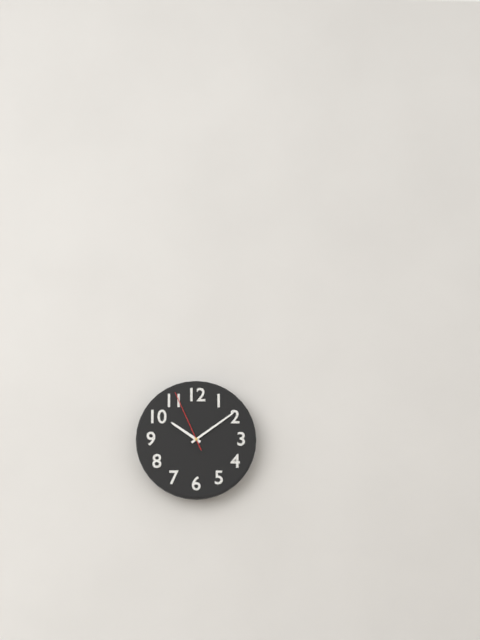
10:09:56
